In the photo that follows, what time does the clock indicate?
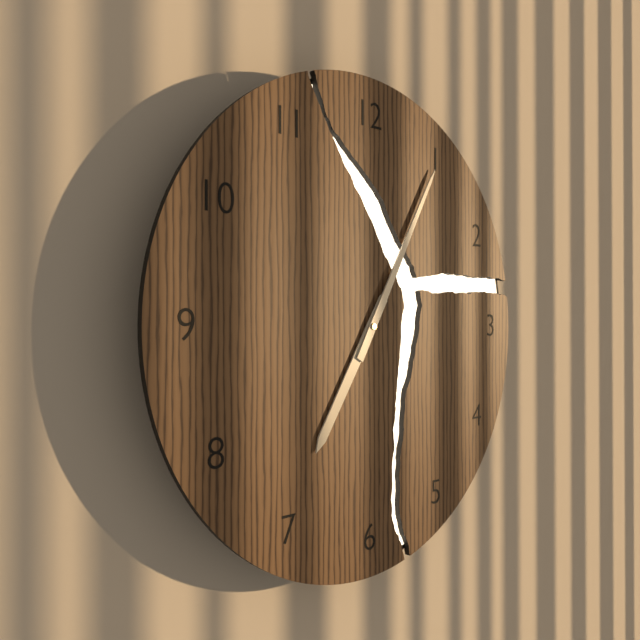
7:05
